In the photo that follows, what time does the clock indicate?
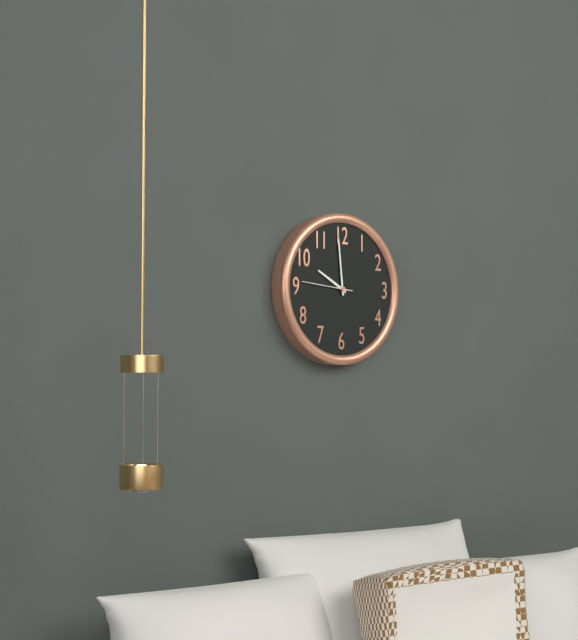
9:59
